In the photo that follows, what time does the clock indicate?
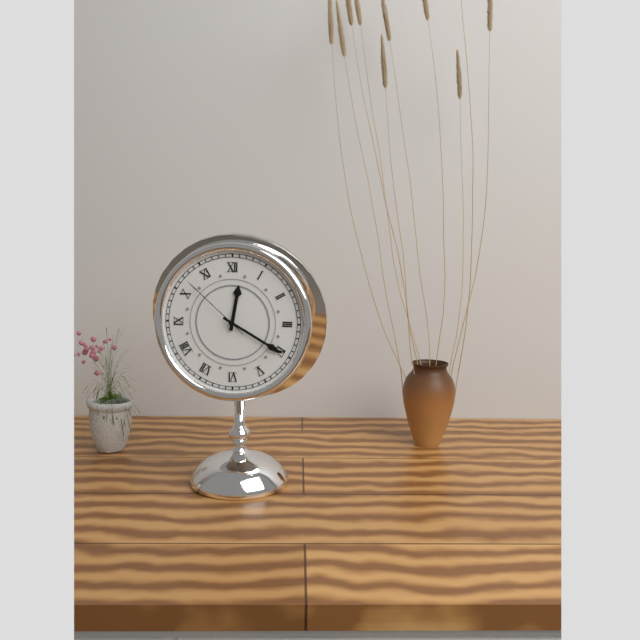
12:20:52
